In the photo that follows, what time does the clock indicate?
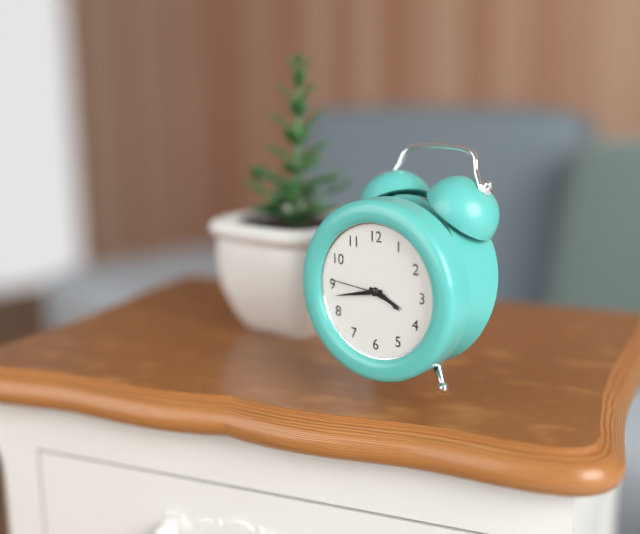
3:43:46
